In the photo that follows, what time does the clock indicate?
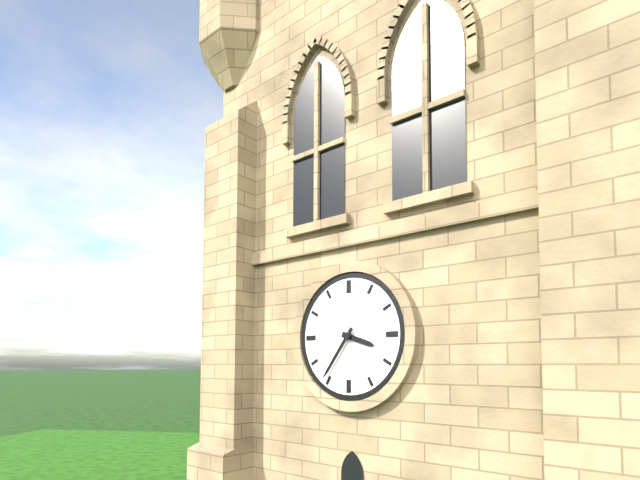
3:36
